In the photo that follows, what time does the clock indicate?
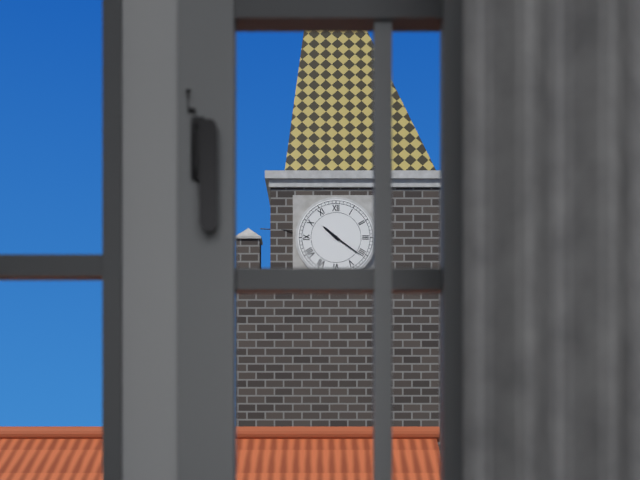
10:21
